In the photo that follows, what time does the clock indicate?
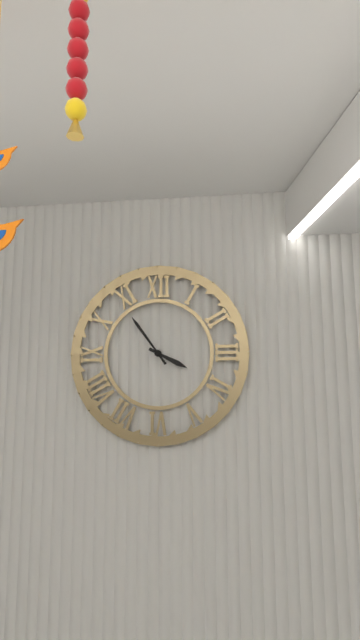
3:54
